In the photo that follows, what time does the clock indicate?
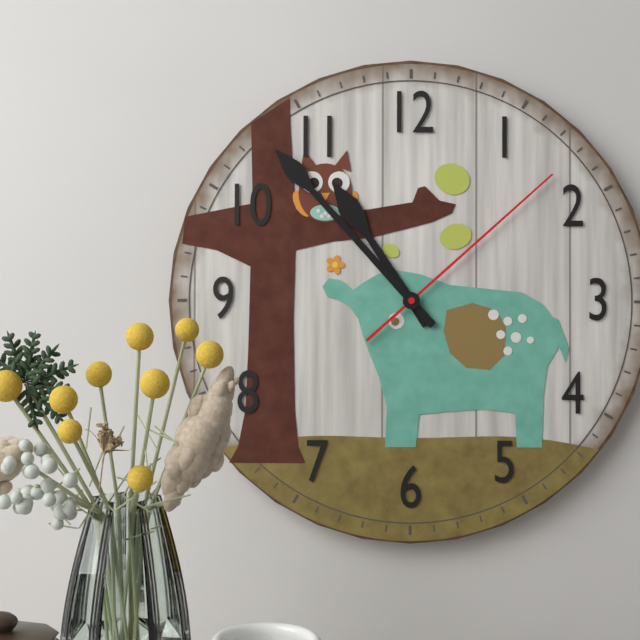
10:53:08
